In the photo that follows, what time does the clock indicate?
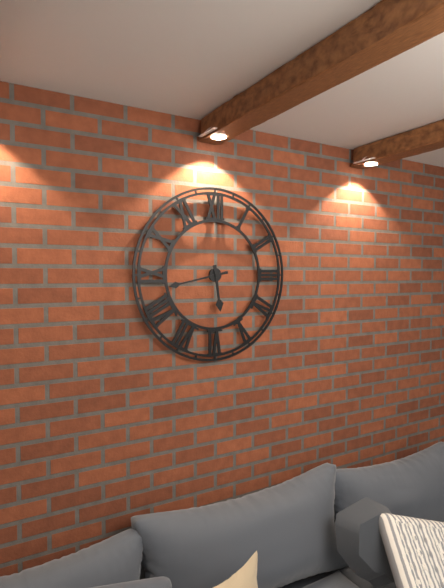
5:43
